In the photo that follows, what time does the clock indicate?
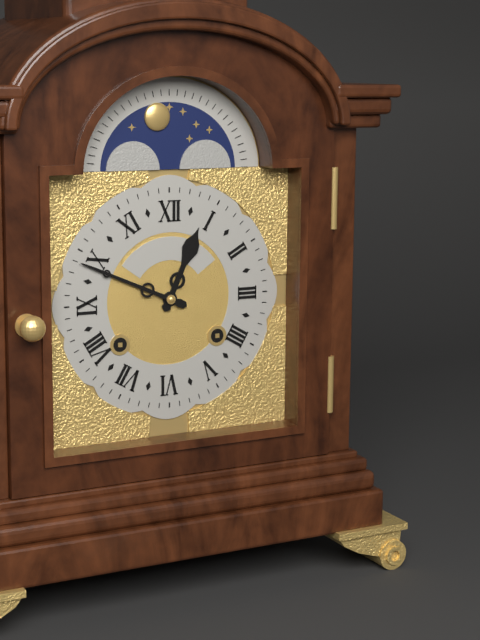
12:49
